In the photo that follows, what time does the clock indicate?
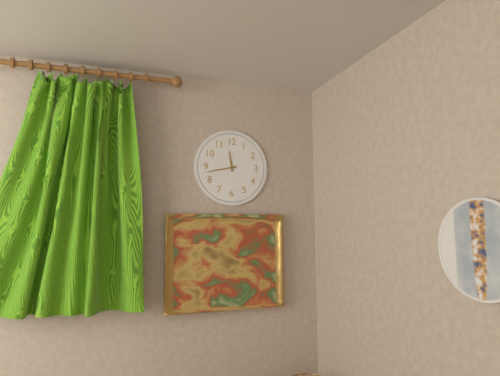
11:43
